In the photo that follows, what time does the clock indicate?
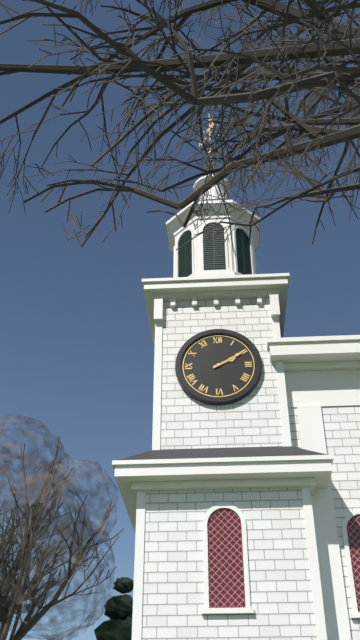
2:10
